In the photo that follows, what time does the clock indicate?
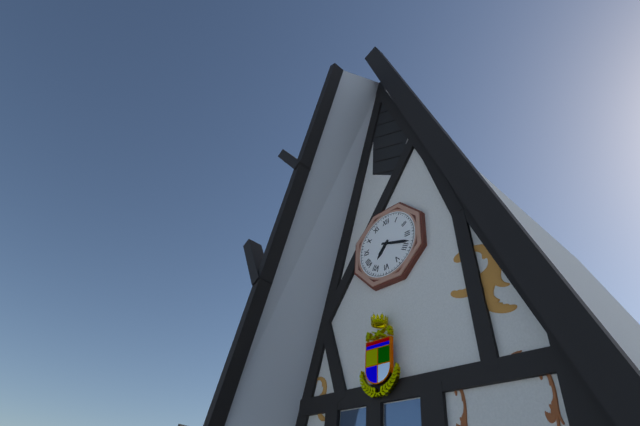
7:18
